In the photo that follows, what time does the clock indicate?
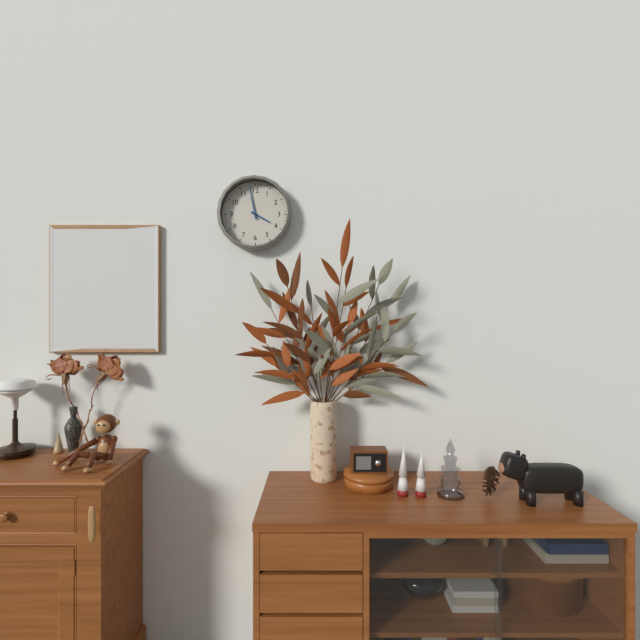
3:58
